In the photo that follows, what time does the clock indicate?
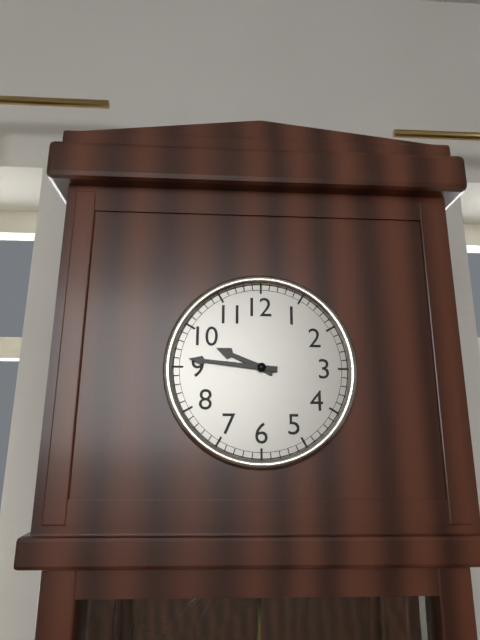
9:46
